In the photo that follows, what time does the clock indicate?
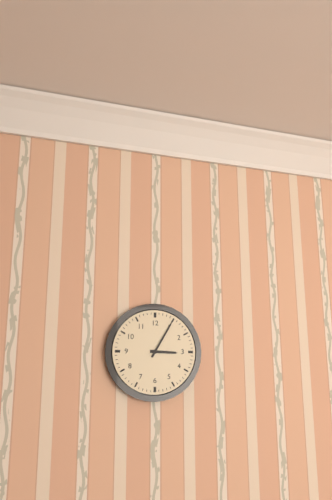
3:05
